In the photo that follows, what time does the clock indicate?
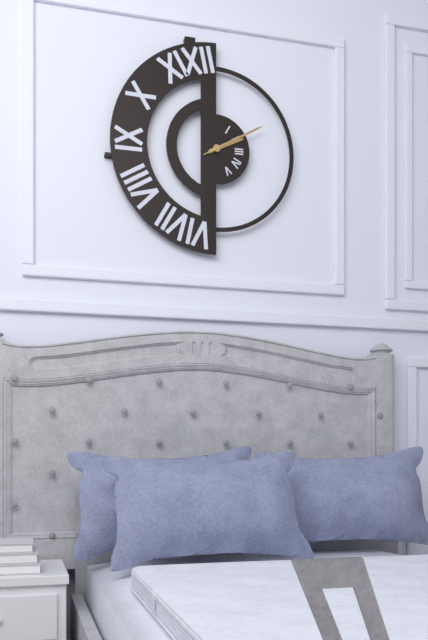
2:10:10
